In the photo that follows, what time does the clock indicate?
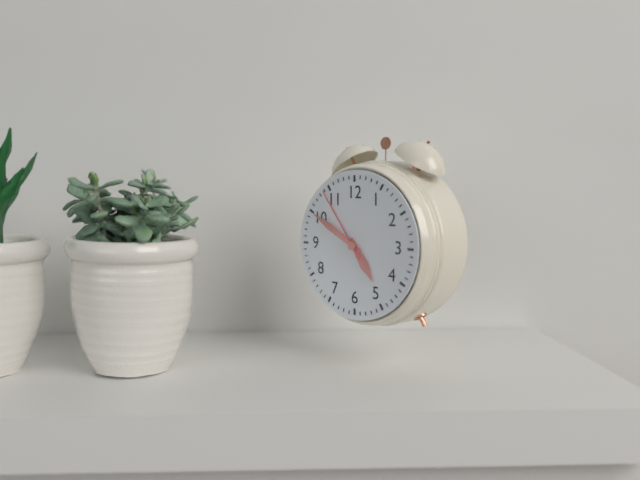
4:50:54
